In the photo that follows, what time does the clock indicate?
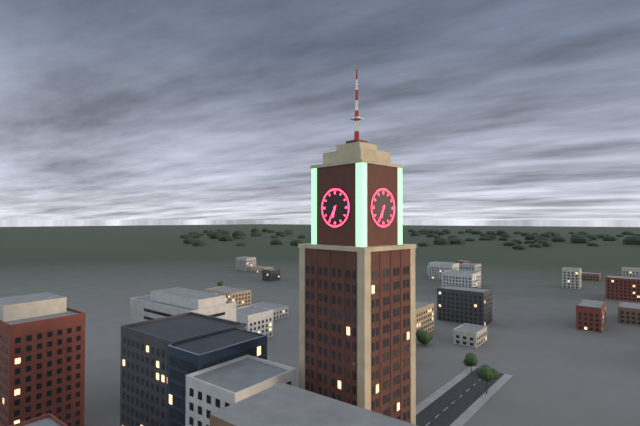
6:35
